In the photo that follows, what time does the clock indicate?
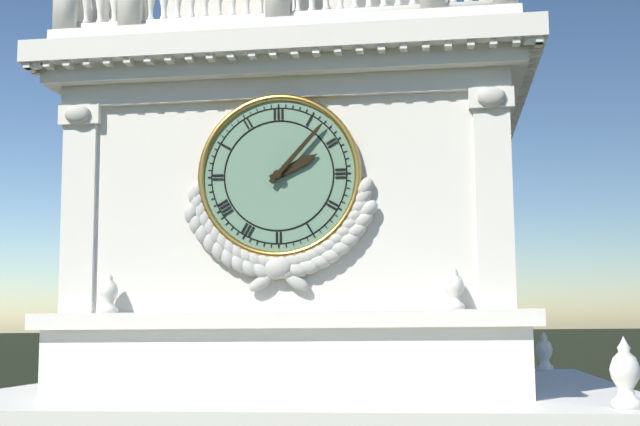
2:07
